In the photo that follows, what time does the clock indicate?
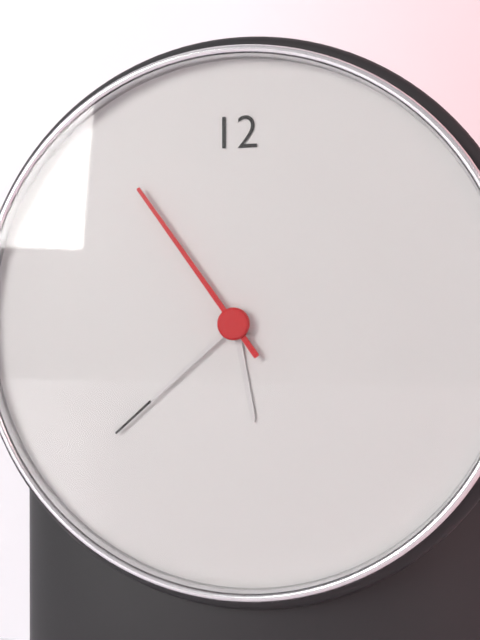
5:38:54
